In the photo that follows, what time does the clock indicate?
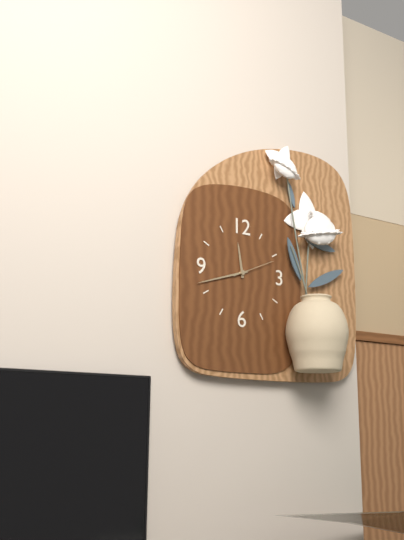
11:42:11
